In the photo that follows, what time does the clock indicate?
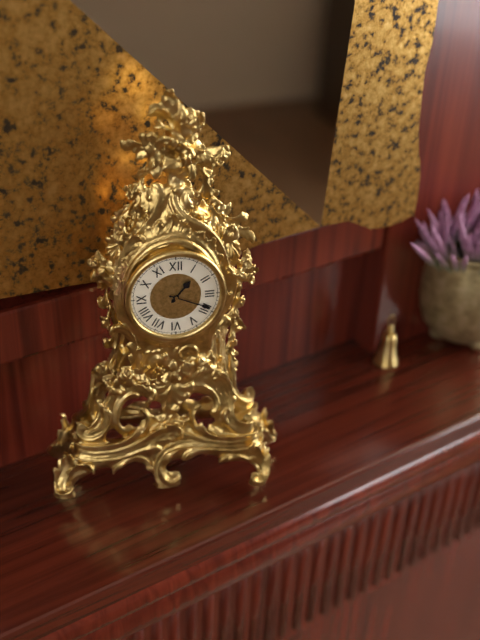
1:19
